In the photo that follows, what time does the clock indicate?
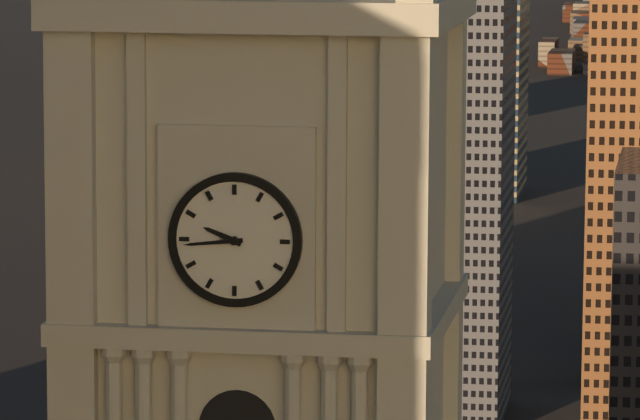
9:44
